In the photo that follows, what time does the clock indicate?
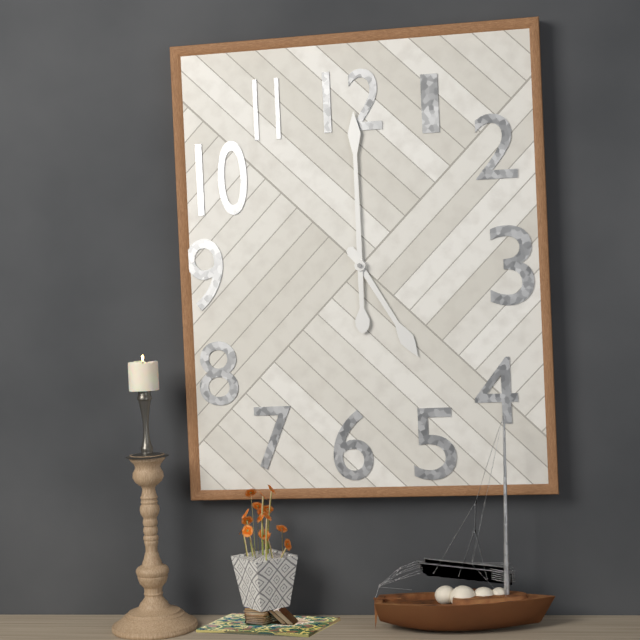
5:00
